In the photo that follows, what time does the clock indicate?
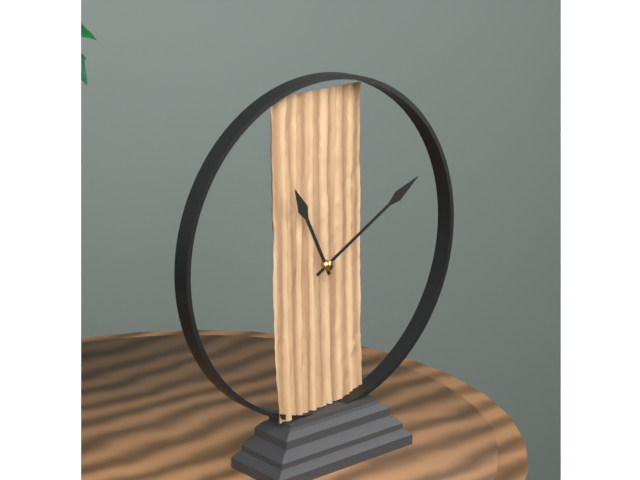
11:10
